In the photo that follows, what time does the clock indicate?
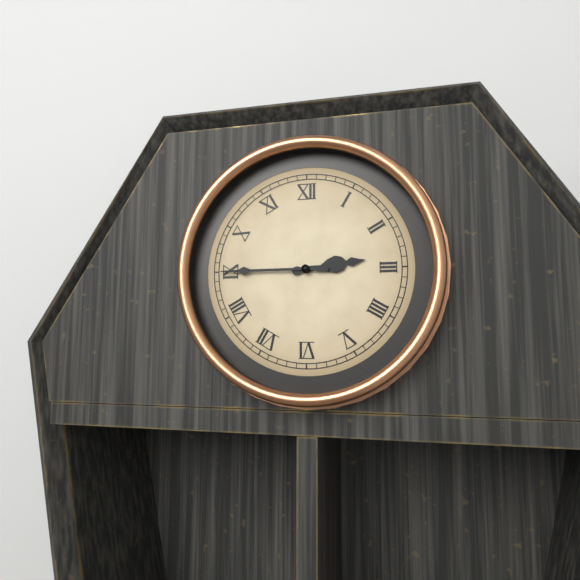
2:45
